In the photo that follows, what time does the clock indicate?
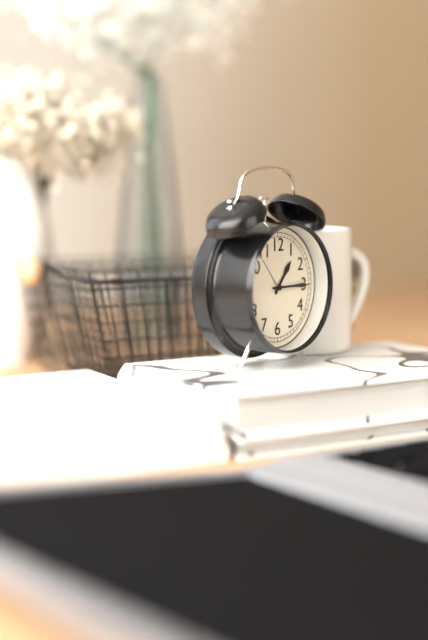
1:15
